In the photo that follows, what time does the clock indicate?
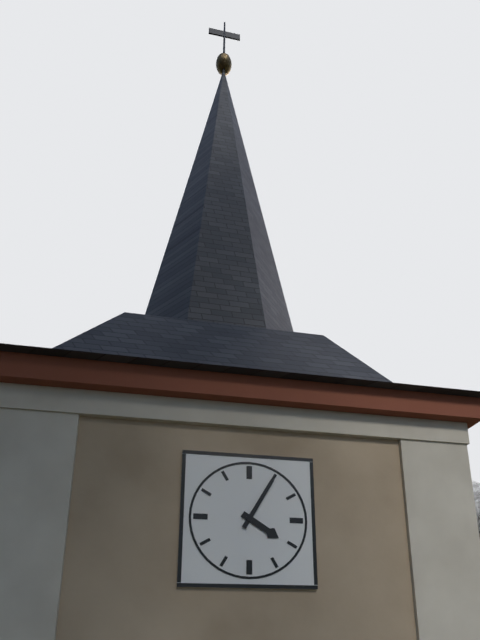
4:05
